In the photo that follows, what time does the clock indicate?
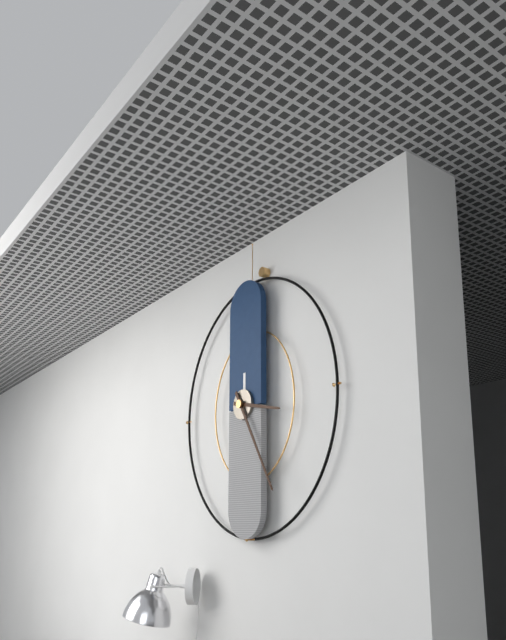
3:25
